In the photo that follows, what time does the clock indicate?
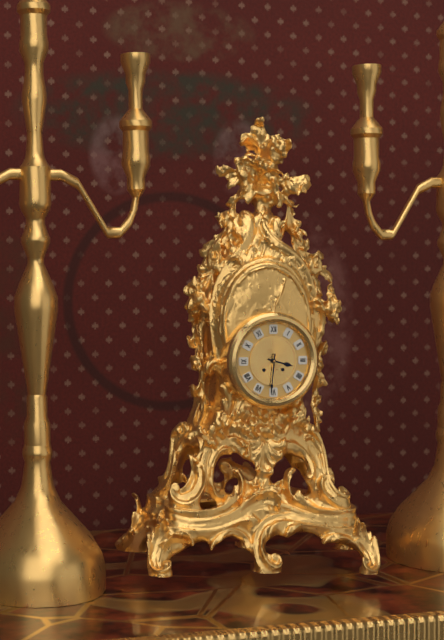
3:31
